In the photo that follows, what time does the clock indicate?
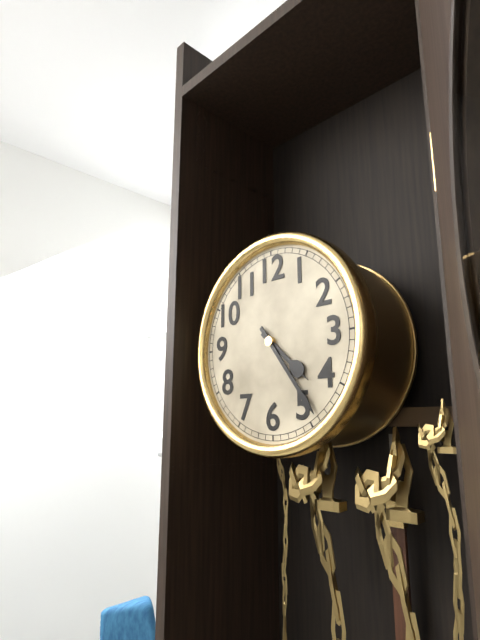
4:24
